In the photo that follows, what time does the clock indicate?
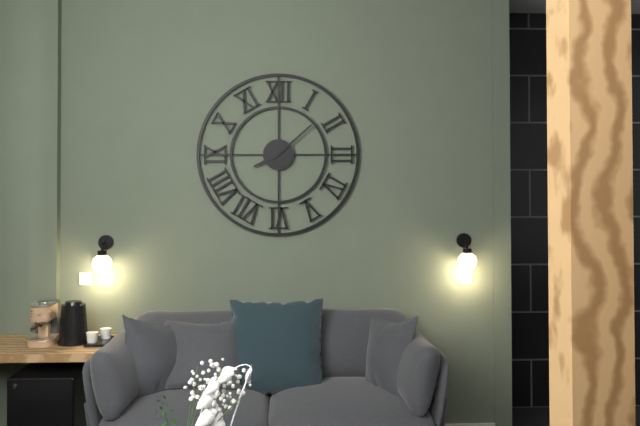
8:08
